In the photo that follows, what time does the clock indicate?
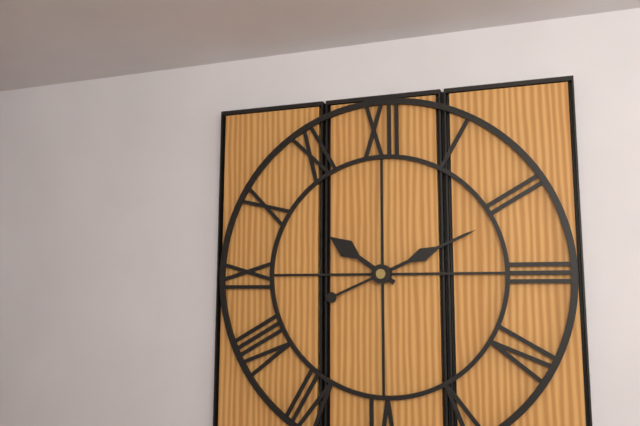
10:11
